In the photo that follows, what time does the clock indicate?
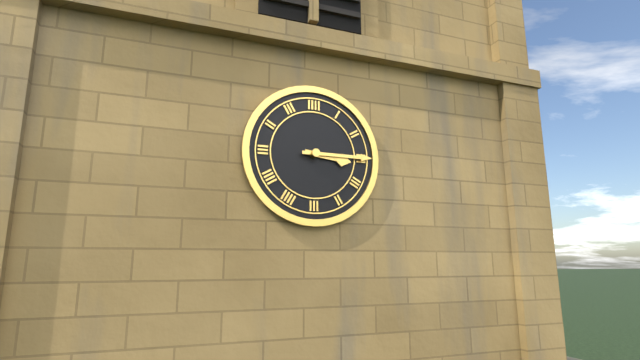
3:15
